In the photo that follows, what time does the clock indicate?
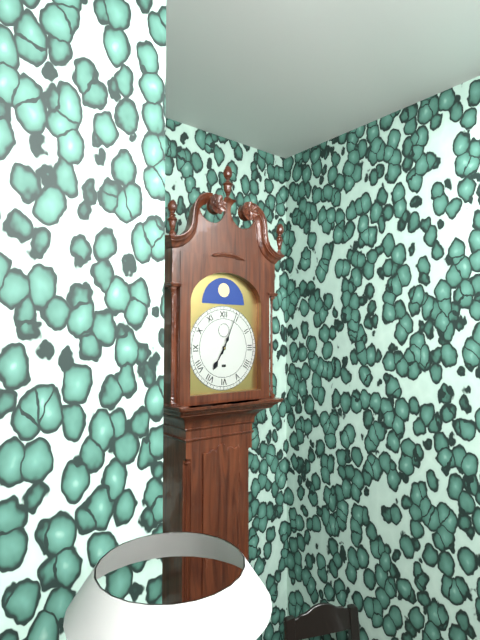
7:04
